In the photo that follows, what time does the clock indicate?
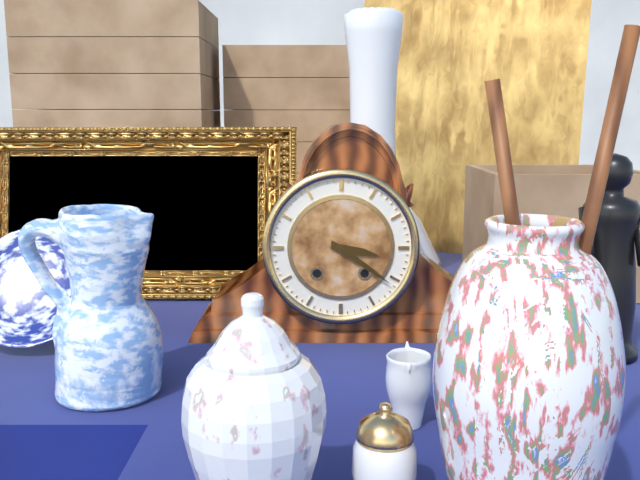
3:21
